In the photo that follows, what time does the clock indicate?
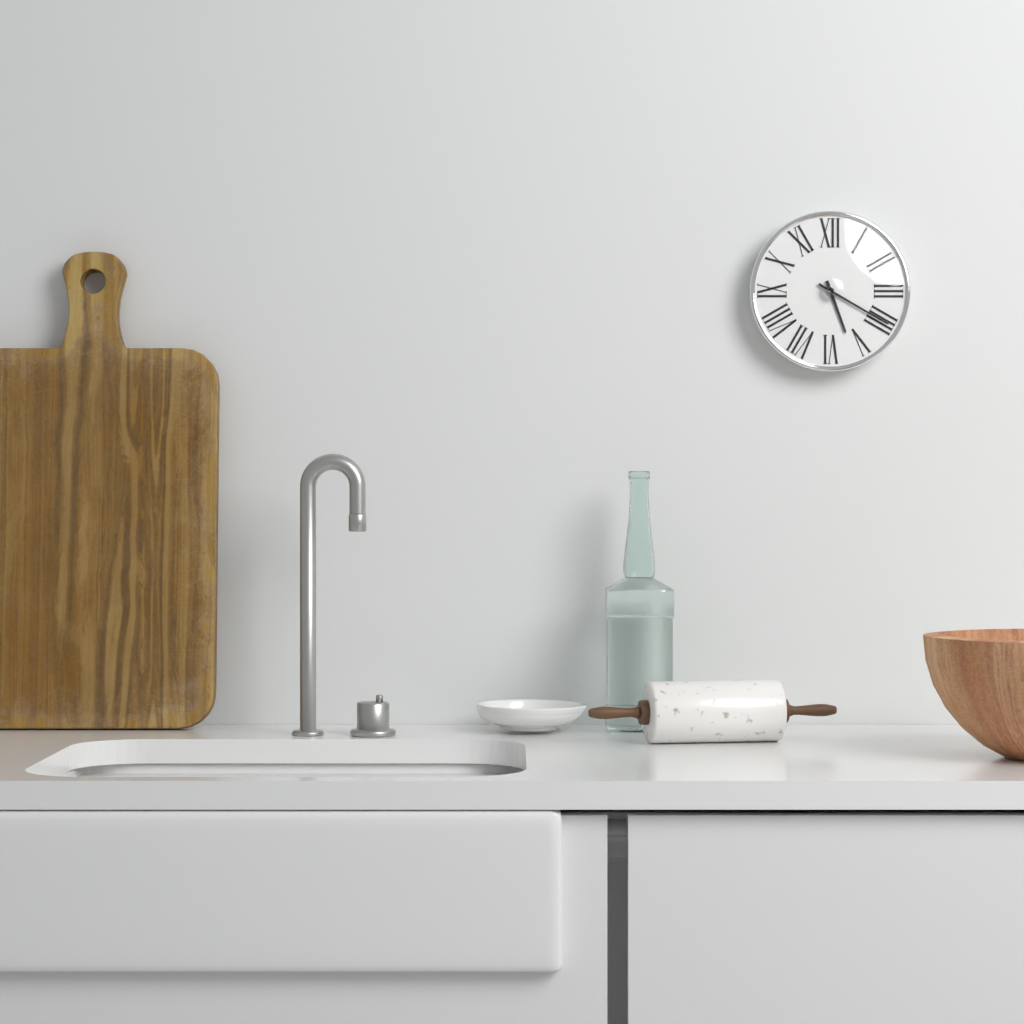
5:20
